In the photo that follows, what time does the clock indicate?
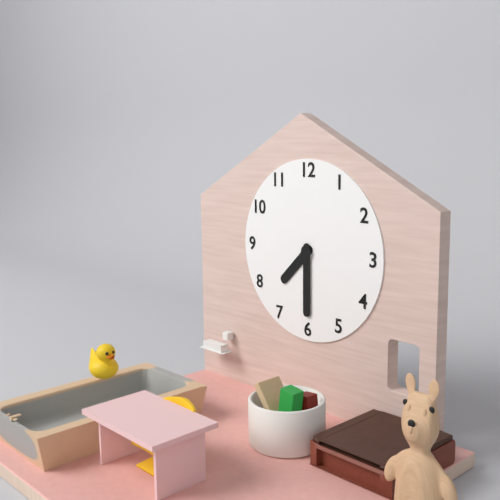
7:30
